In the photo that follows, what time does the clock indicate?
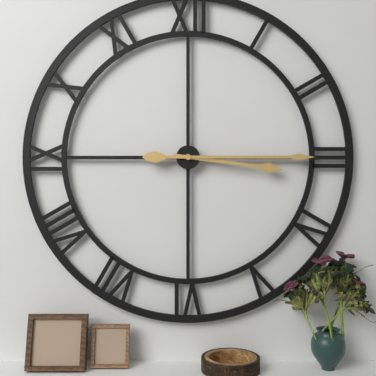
3:15
